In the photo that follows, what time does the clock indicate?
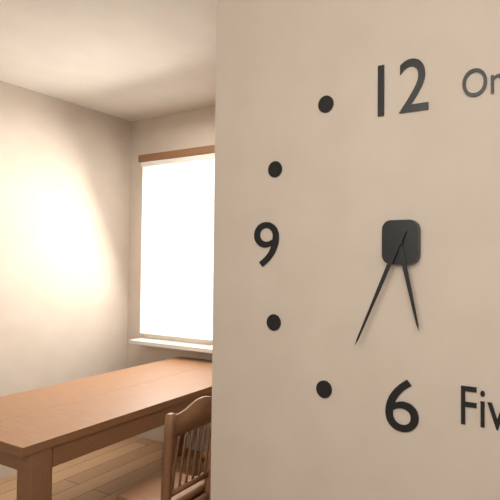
5:34
